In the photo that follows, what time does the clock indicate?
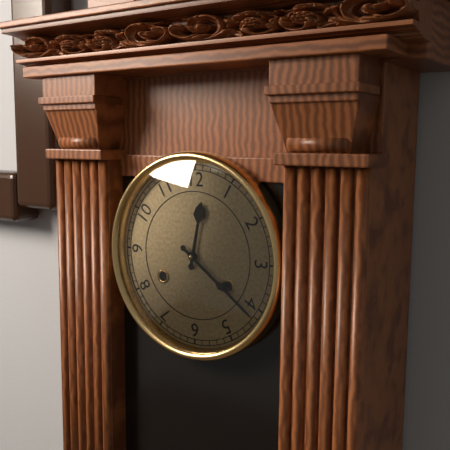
12:21
